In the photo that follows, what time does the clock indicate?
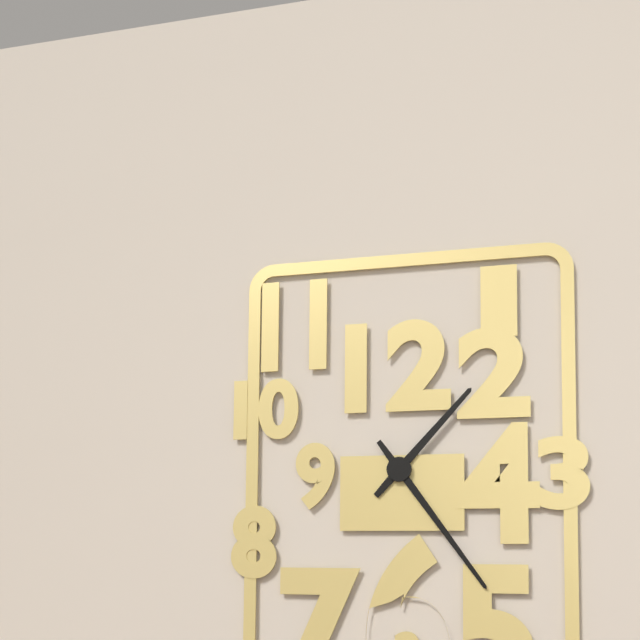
1:24
